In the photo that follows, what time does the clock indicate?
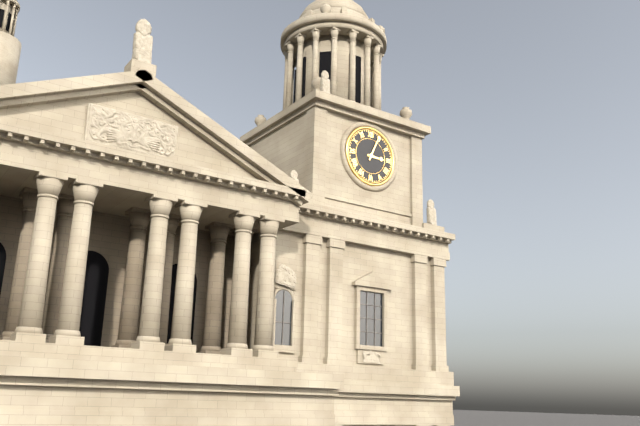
3:04
